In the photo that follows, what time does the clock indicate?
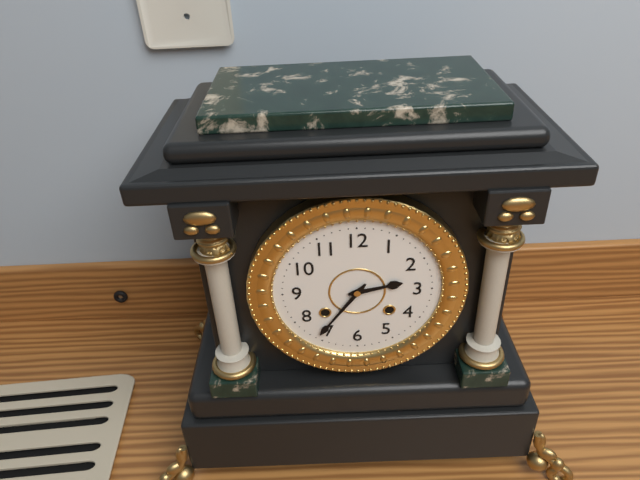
2:36
